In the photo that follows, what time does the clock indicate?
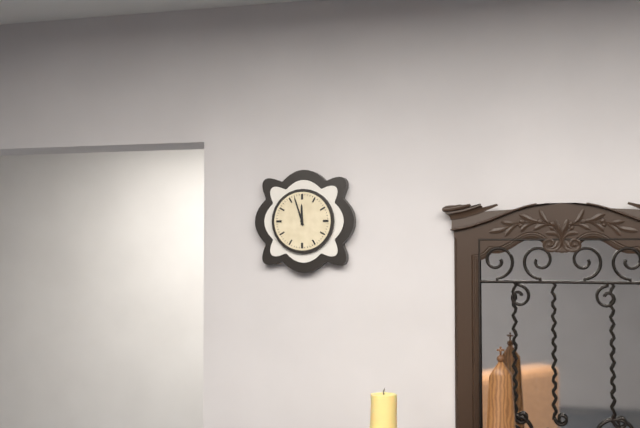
11:57
